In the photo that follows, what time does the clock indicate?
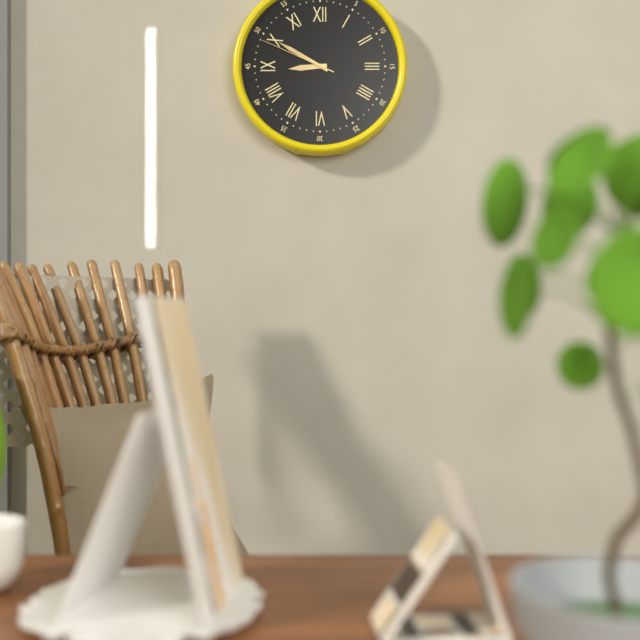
8:50:49
